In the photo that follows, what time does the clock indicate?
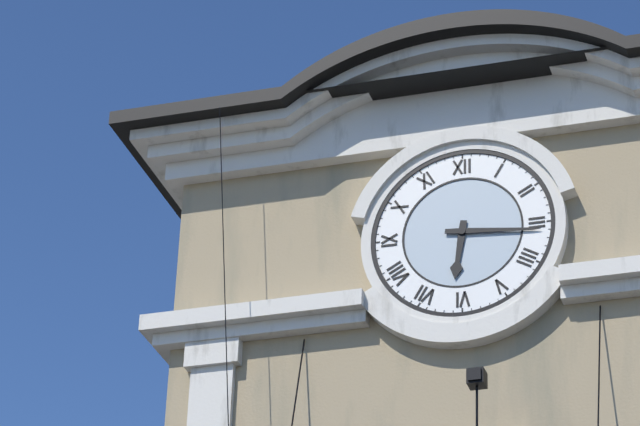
6:16
